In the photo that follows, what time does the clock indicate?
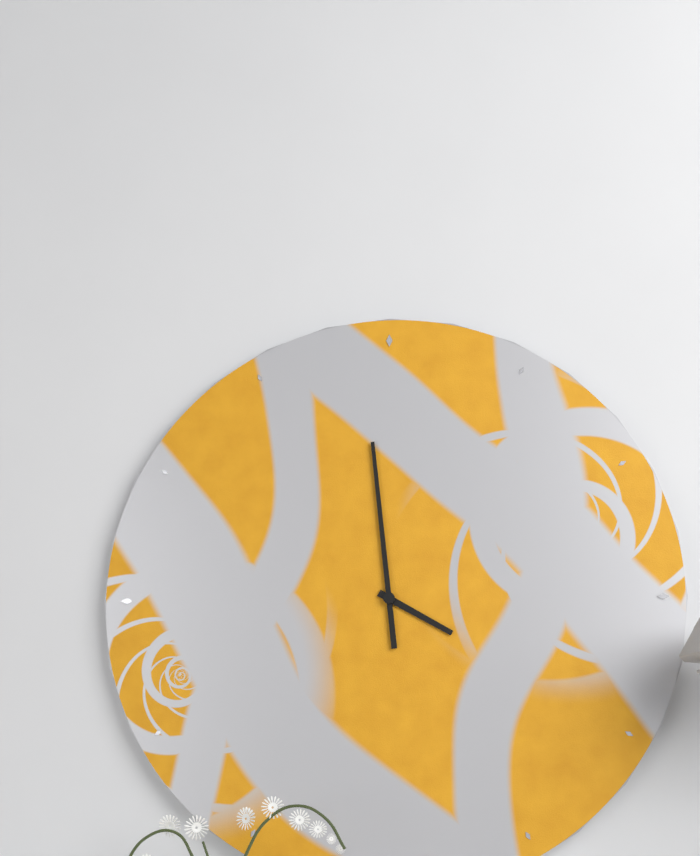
3:59
